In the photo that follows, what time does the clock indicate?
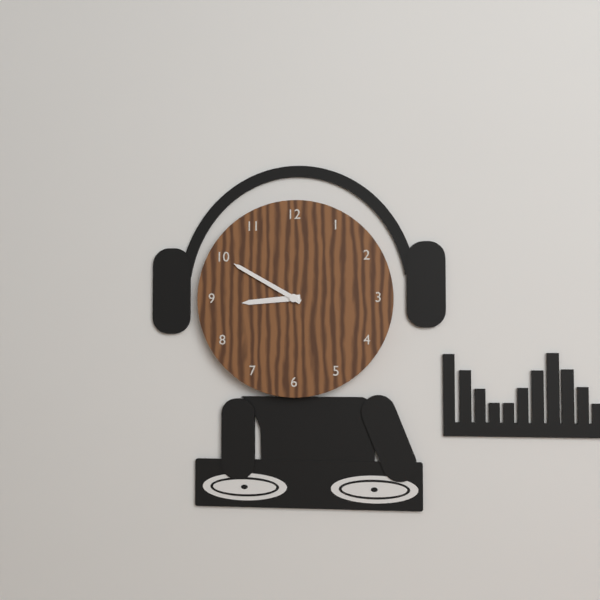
8:50
